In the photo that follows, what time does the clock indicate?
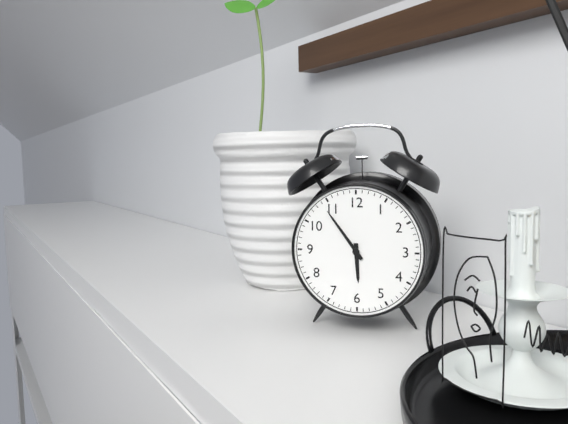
5:54
